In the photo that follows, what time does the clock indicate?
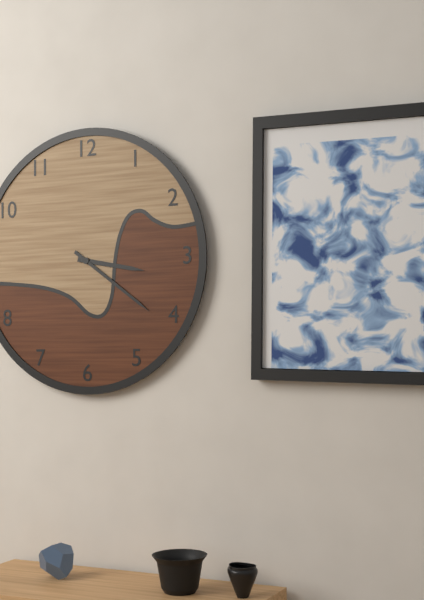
3:21
